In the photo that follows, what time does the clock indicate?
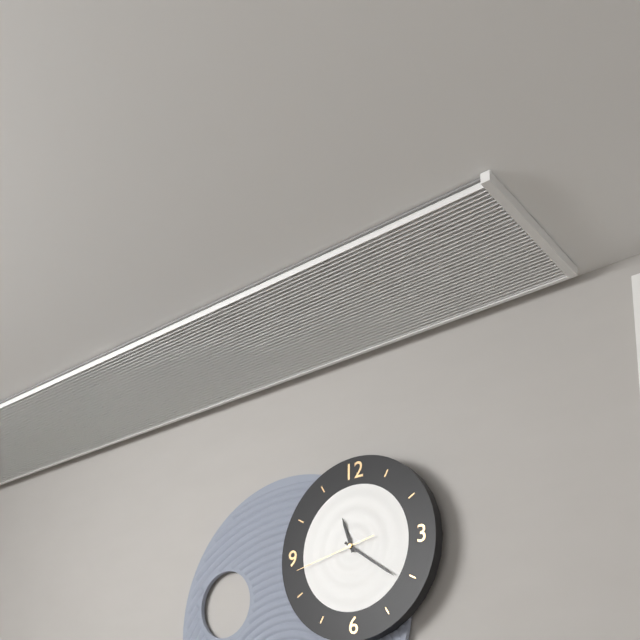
11:21:43
